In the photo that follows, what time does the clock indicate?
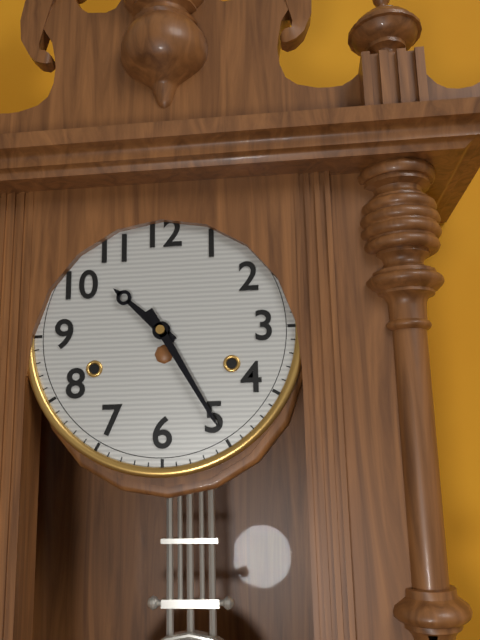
10:25
